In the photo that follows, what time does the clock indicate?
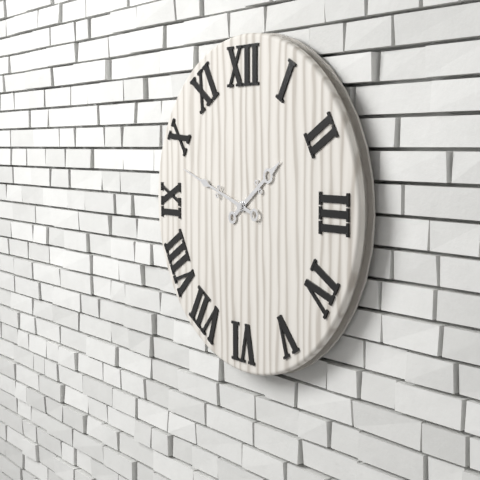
1:48
